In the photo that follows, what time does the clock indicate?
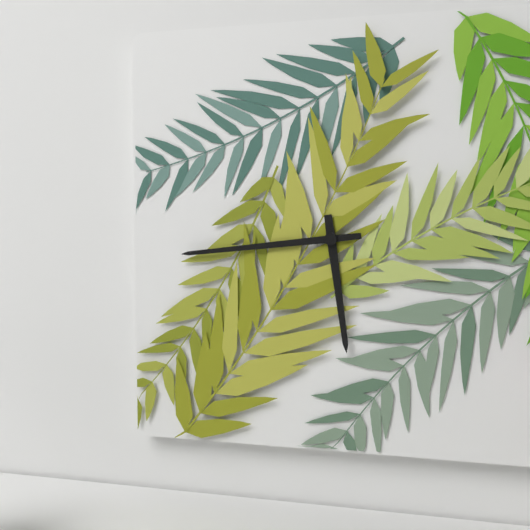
5:44
